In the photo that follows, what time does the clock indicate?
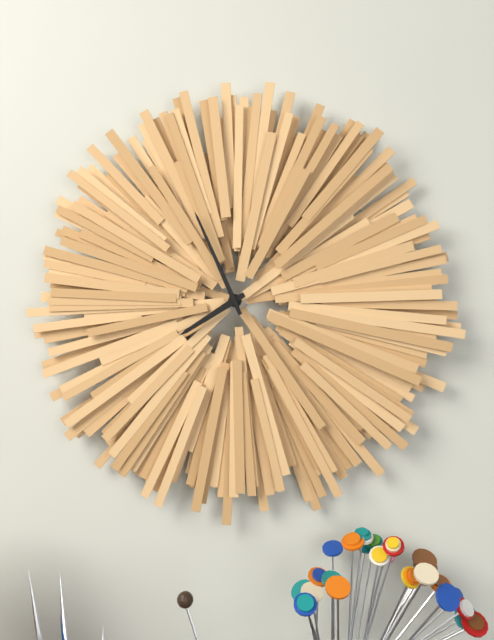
7:56
